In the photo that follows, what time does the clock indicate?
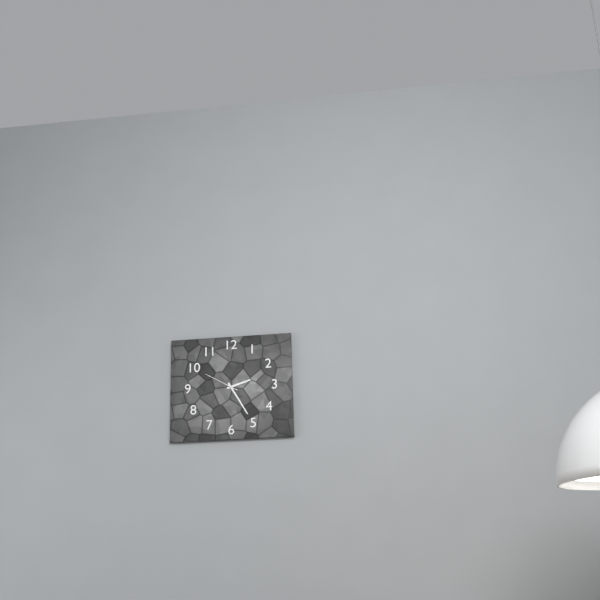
2:25
